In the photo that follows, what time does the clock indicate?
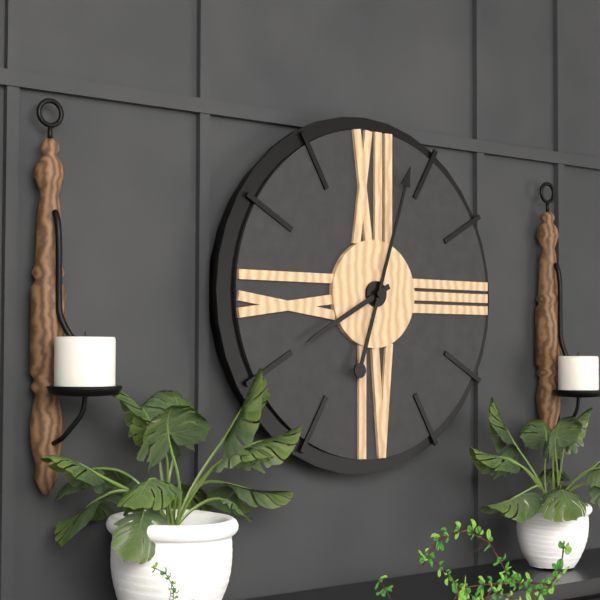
8:03
